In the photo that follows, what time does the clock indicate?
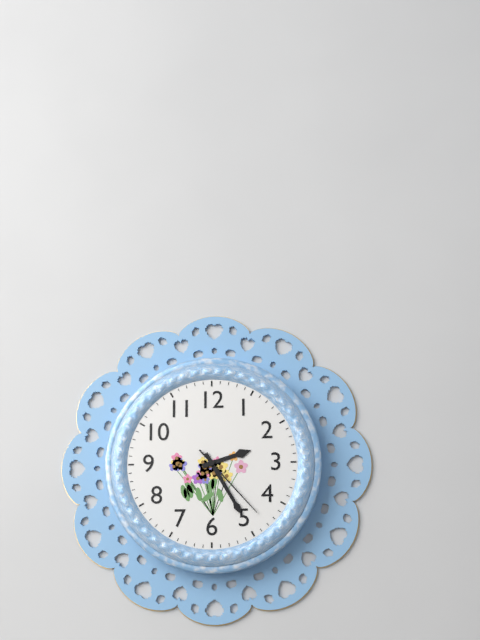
2:25:23
